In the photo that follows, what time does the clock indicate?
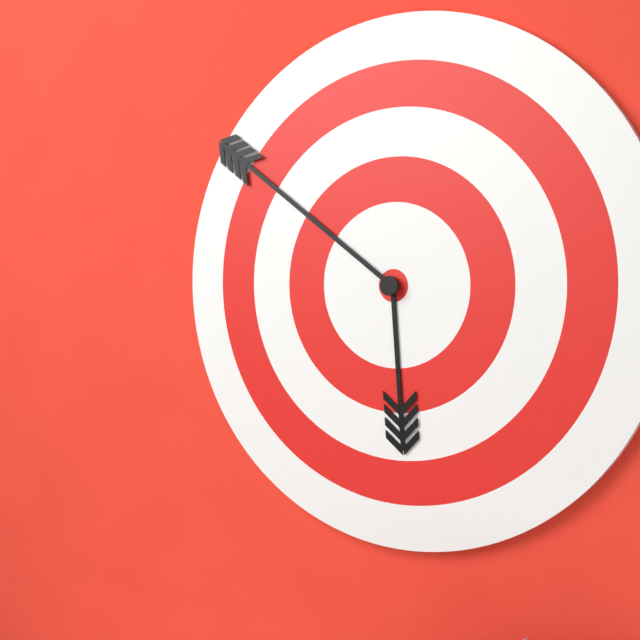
5:51
